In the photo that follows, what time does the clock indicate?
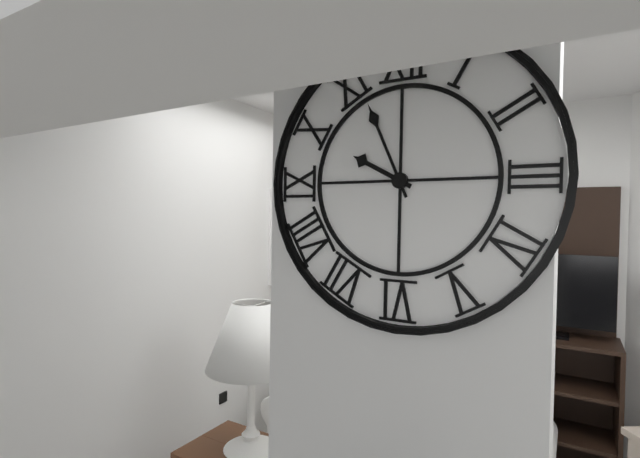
9:56
